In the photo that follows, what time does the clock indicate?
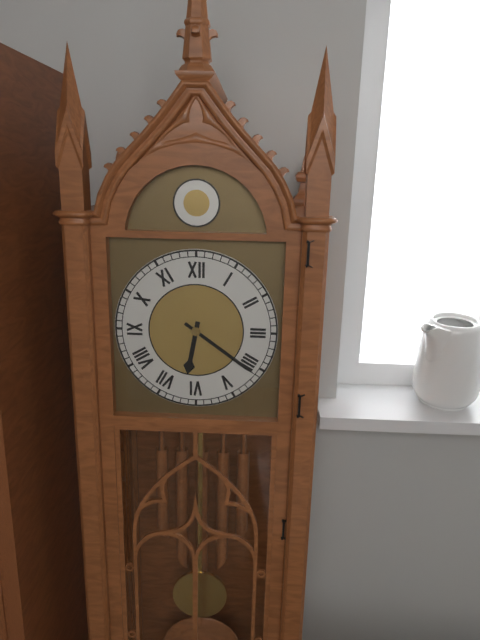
6:21
